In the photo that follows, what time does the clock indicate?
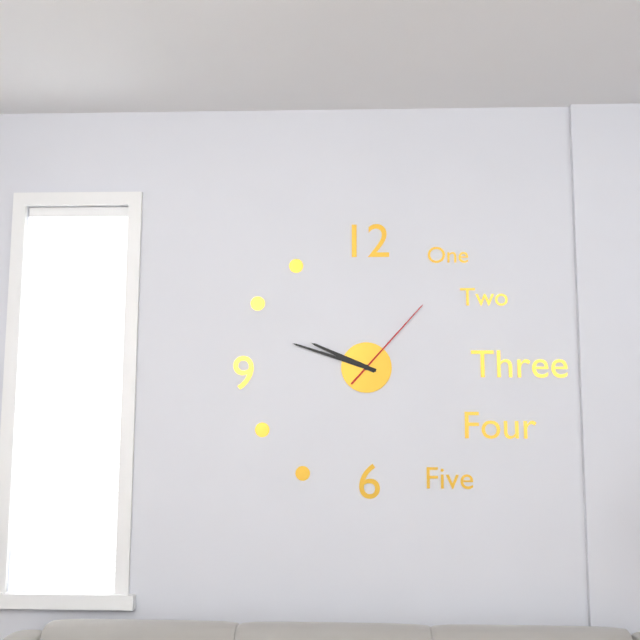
9:48:07
